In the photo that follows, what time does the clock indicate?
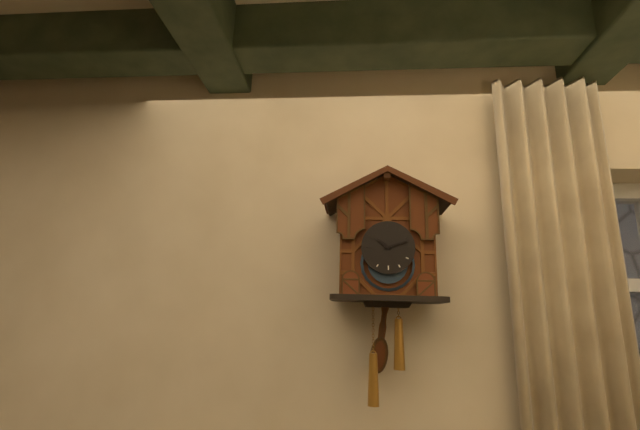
10:12
